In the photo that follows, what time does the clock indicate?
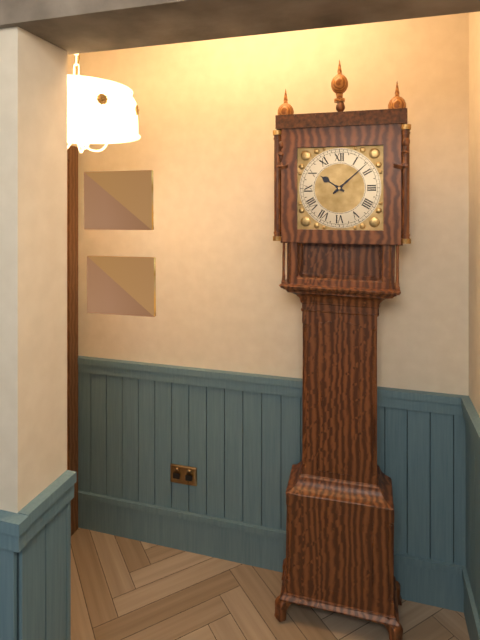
10:08
